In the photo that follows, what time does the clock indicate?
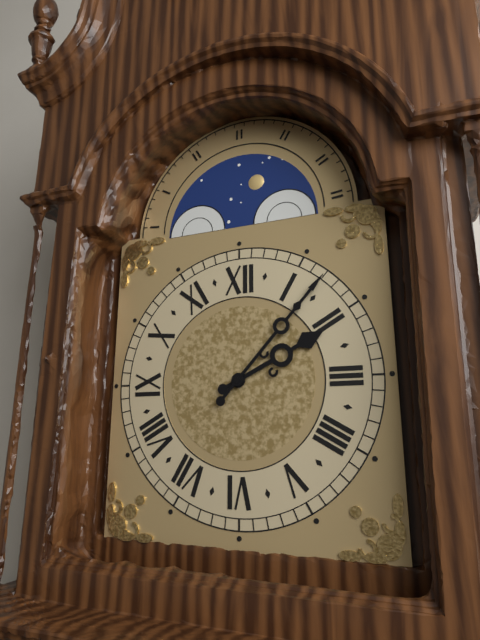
2:07
